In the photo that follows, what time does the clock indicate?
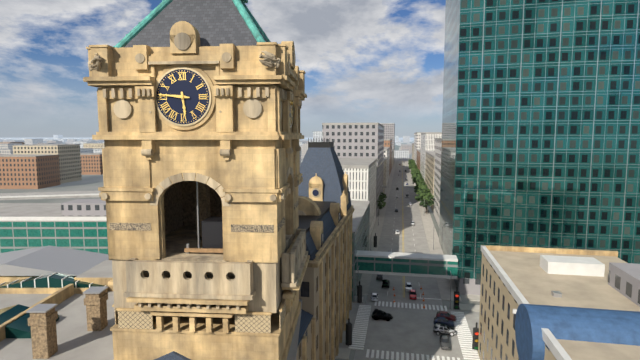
5:46
